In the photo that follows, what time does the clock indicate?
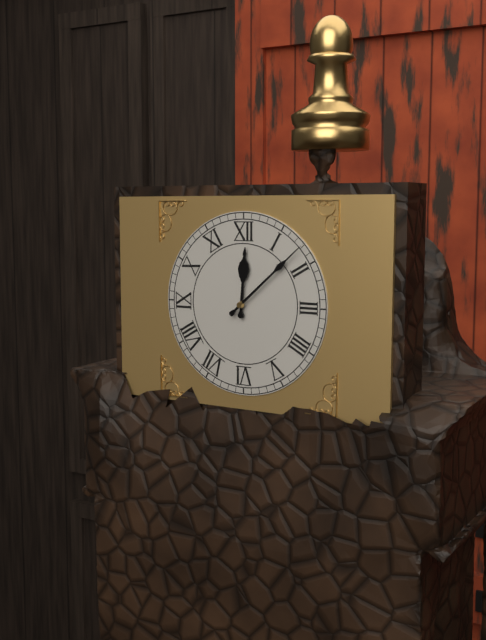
12:08
